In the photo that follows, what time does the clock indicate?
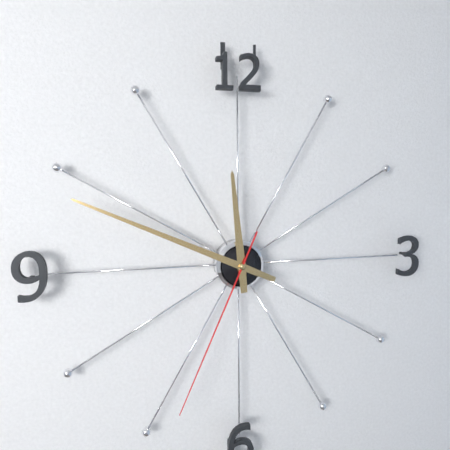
11:49:34
